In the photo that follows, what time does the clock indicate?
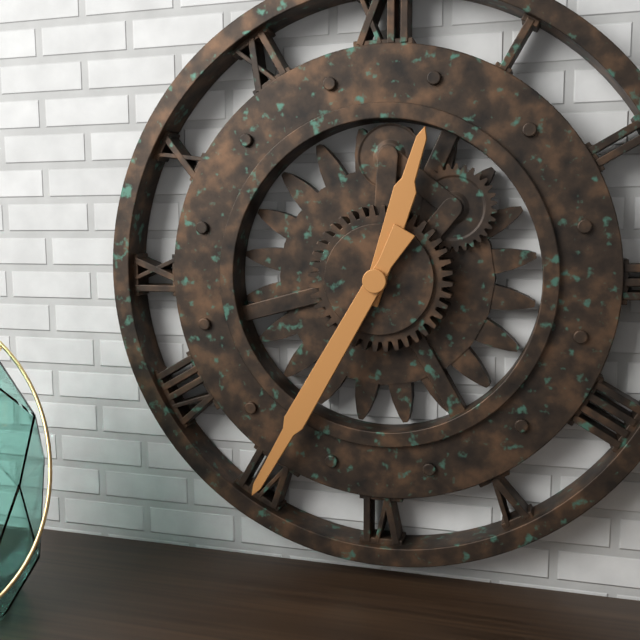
12:35
